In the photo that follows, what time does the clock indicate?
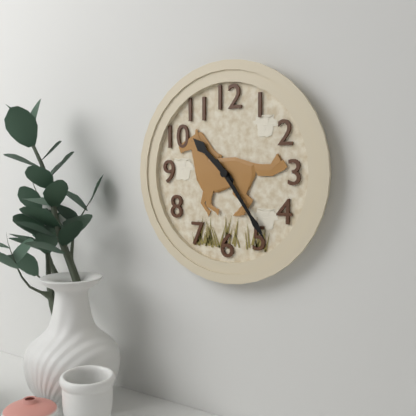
10:24
